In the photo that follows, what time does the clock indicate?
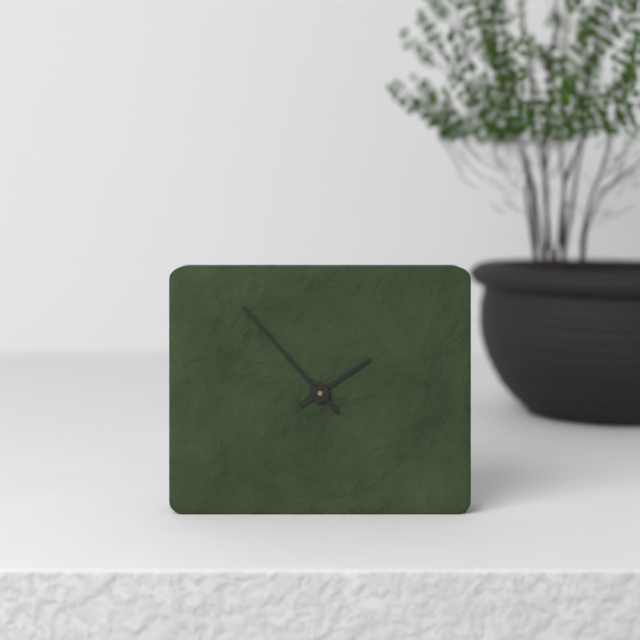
1:53
